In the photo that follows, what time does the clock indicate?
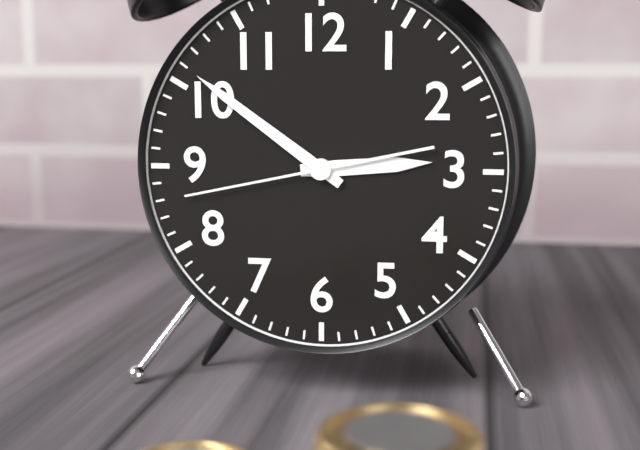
2:51:43
